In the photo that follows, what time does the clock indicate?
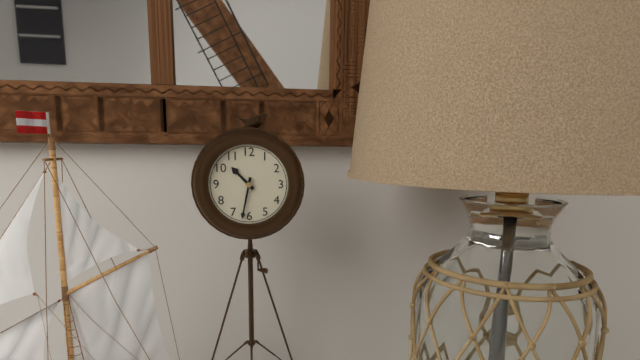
10:32
